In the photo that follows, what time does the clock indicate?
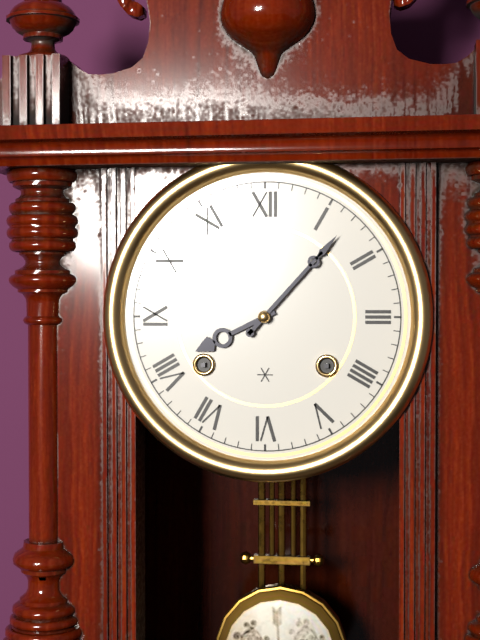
8:07
